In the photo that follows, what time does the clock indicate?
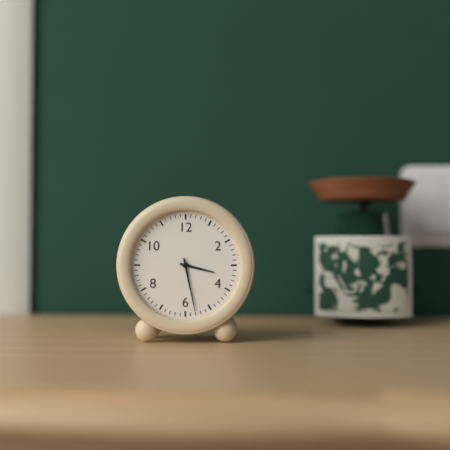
3:28
